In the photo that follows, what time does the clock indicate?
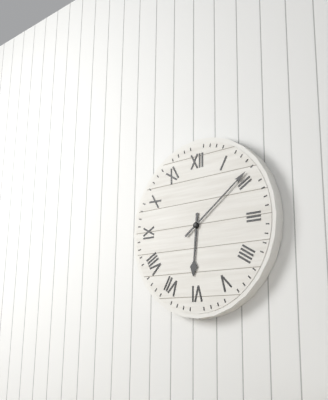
6:09
